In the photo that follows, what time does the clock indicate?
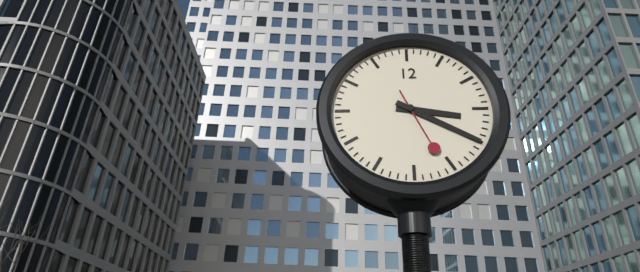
3:20:26
